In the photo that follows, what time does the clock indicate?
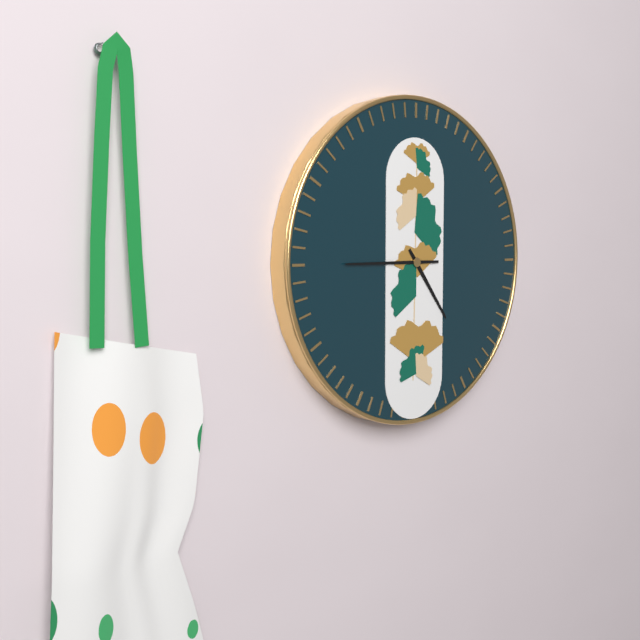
4:45
